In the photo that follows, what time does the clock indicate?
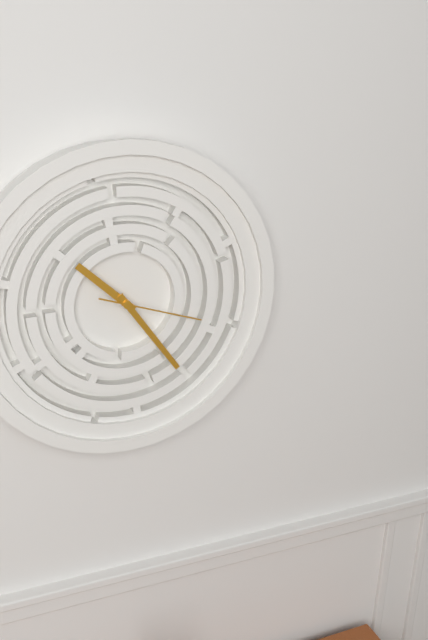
10:24:18
